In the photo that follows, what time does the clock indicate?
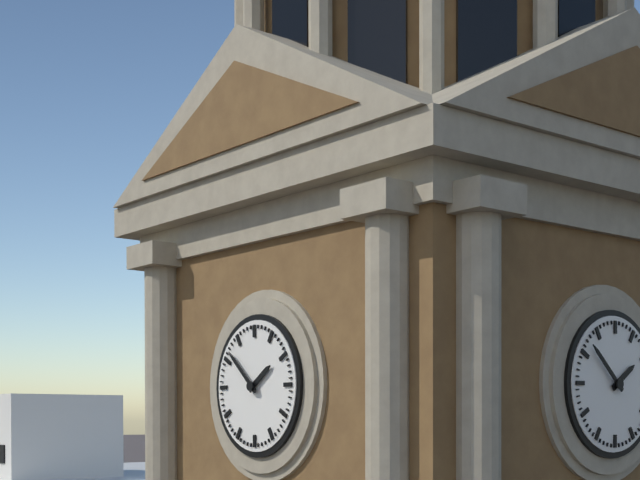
1:52
